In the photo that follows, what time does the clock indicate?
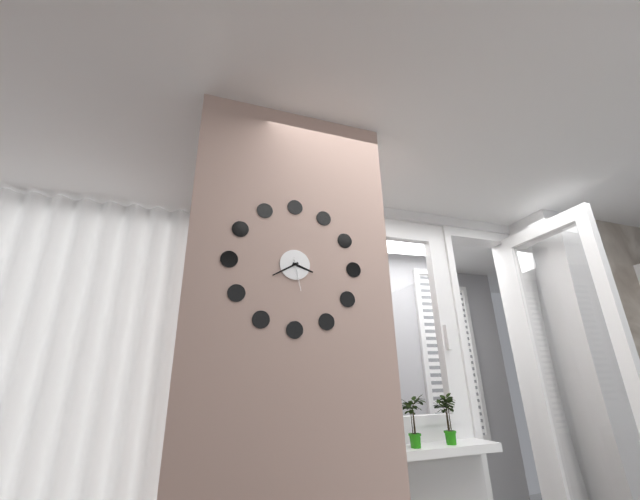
3:40
